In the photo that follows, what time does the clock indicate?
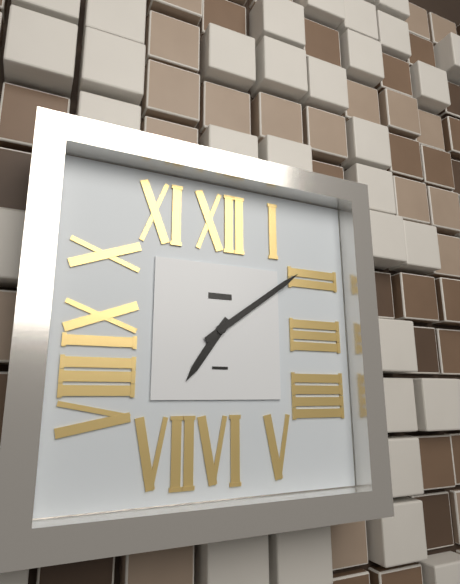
7:09
